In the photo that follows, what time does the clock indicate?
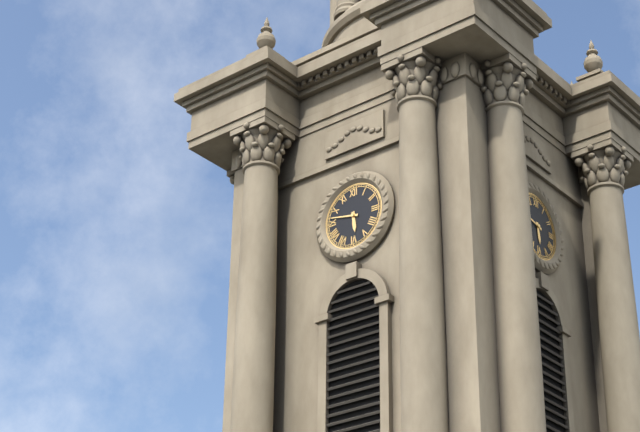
5:47
